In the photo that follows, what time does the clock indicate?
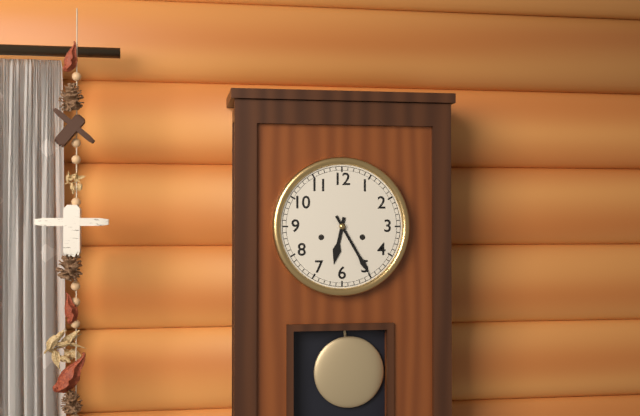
6:25
